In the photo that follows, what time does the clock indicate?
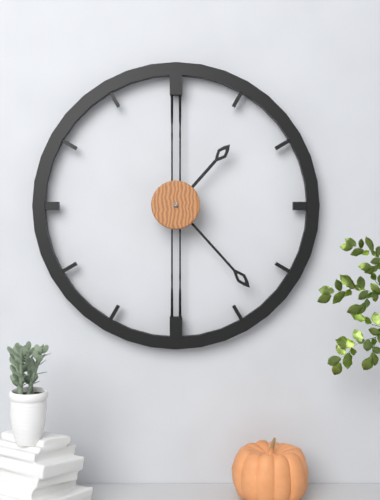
1:23
